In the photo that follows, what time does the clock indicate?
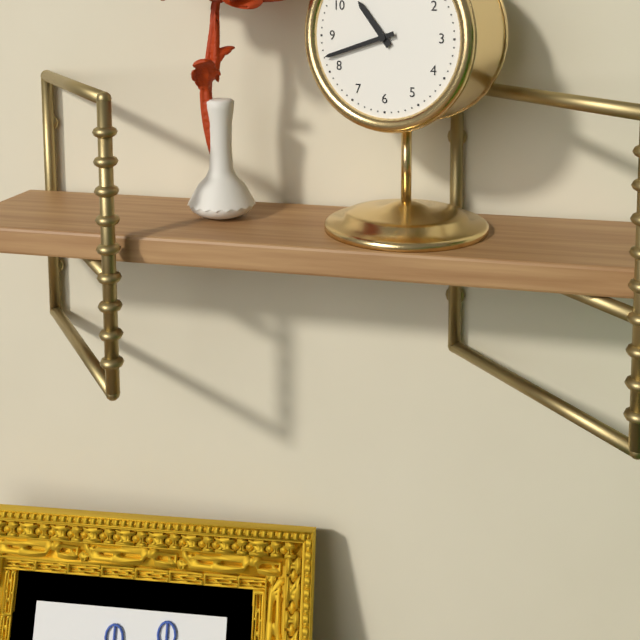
10:42
